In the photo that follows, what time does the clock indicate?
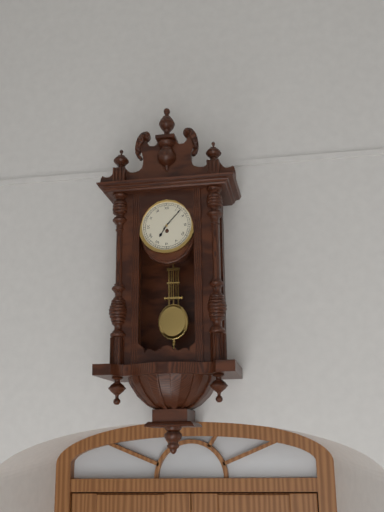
7:07
